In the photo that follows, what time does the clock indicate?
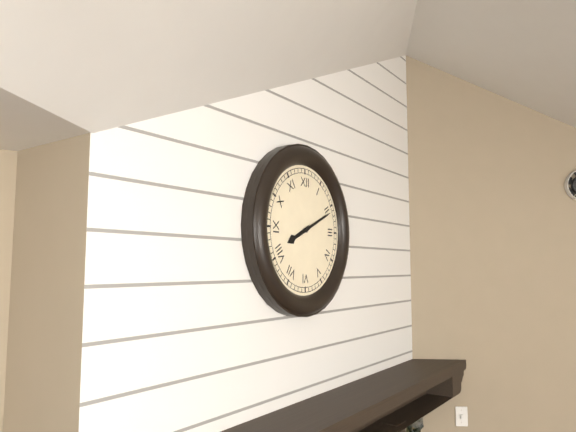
8:11
